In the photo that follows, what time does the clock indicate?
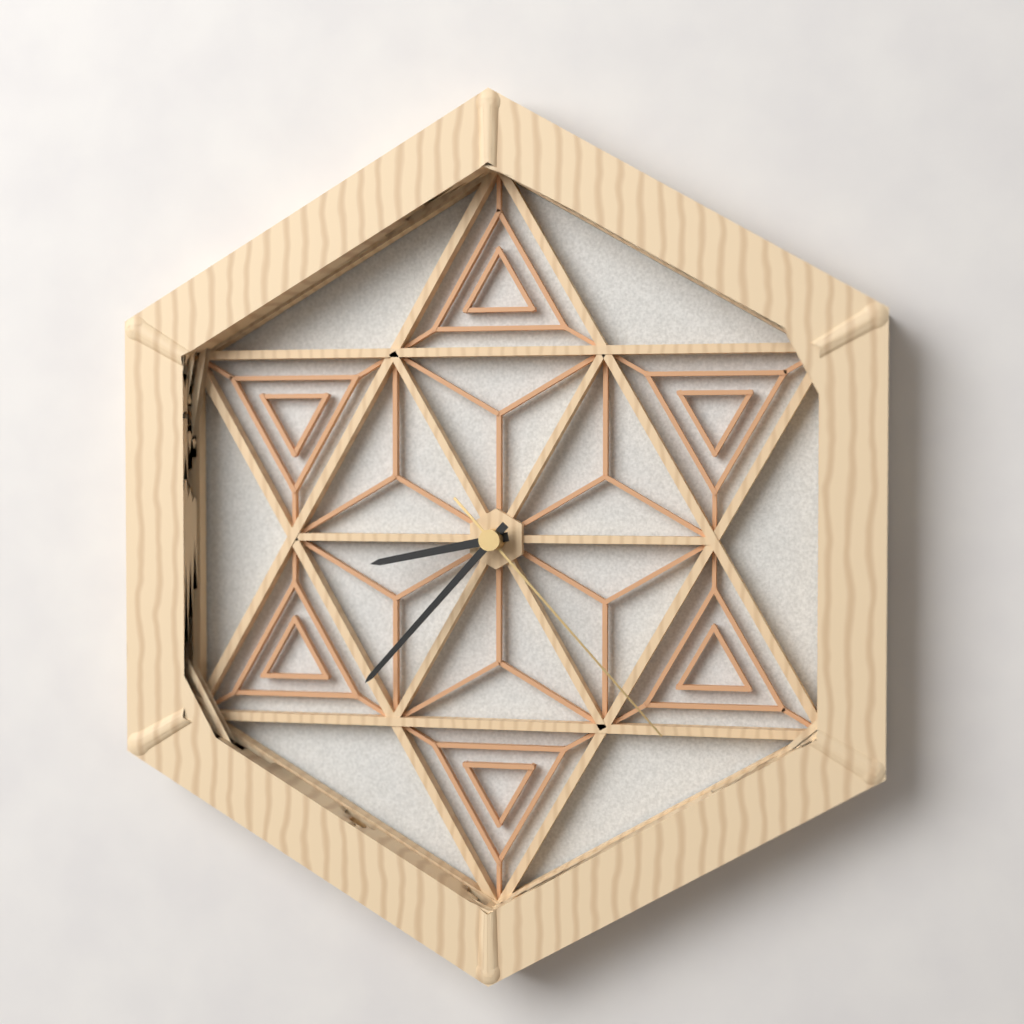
8:37:23
